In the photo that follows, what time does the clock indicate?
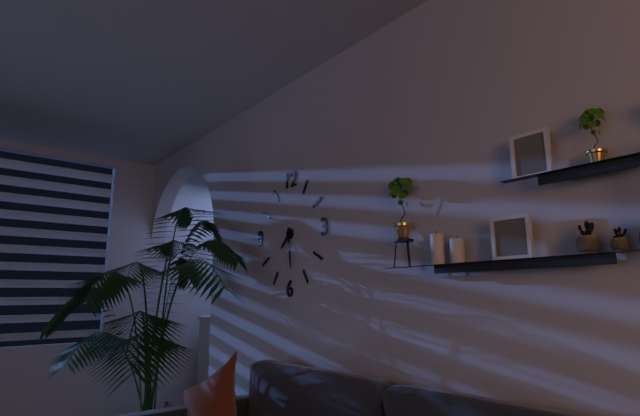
7:29
